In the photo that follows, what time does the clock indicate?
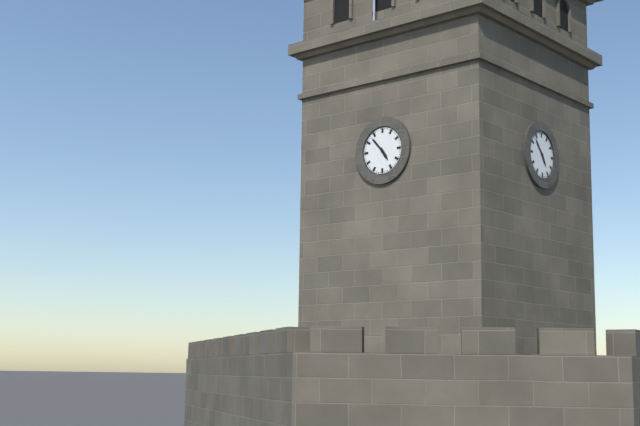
4:53
